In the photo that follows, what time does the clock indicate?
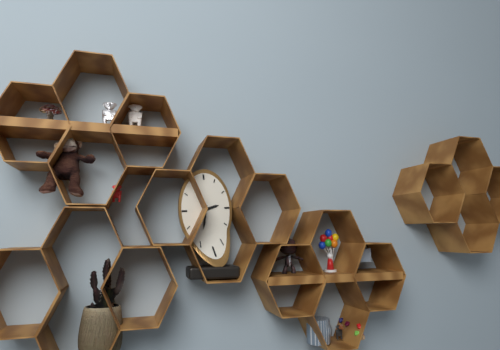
2:32
